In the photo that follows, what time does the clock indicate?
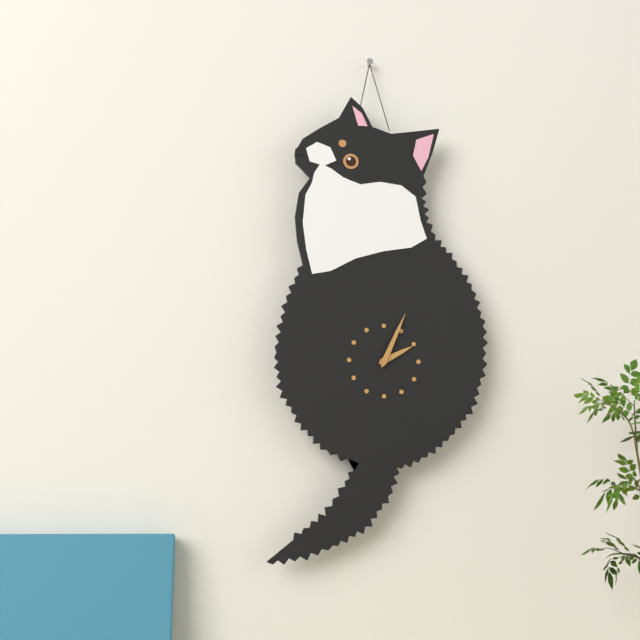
2:04
